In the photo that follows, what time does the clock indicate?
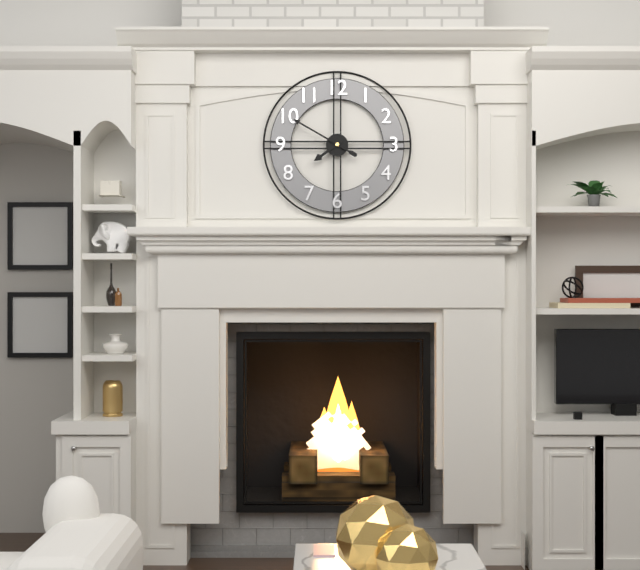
7:50
